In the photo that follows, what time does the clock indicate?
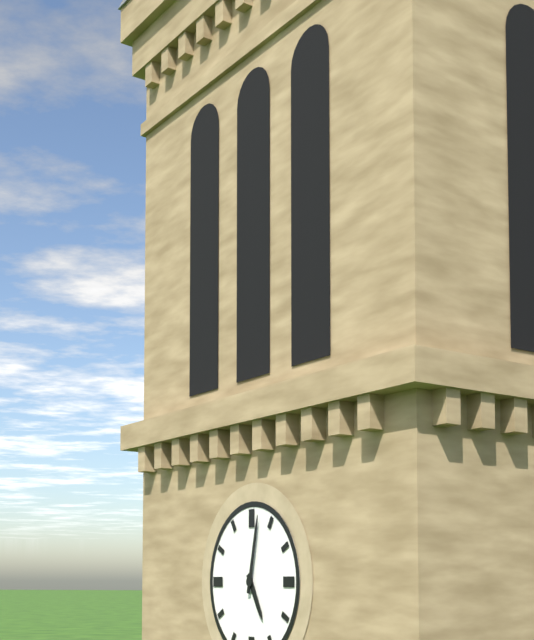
5:02
